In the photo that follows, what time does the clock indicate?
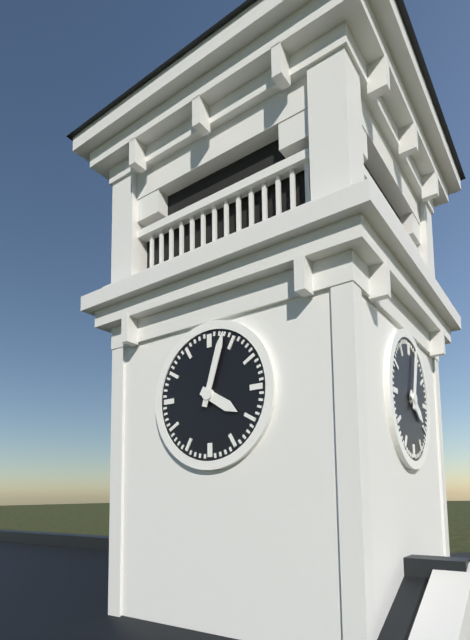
4:03
